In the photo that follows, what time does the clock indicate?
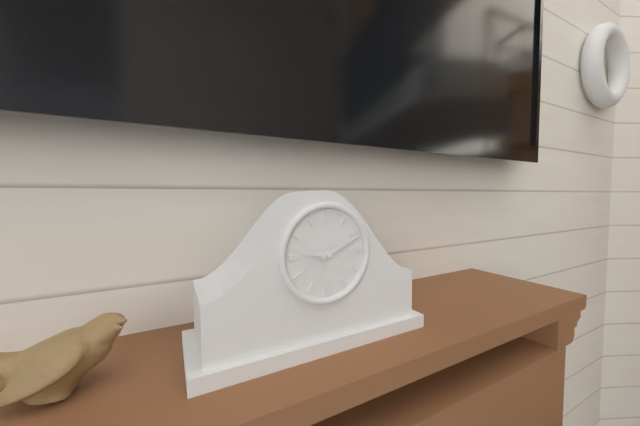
9:11
